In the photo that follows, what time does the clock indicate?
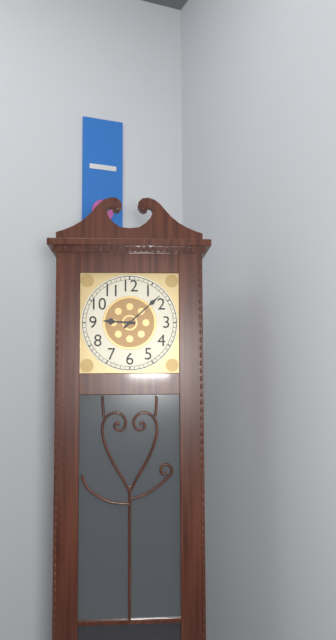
9:08
